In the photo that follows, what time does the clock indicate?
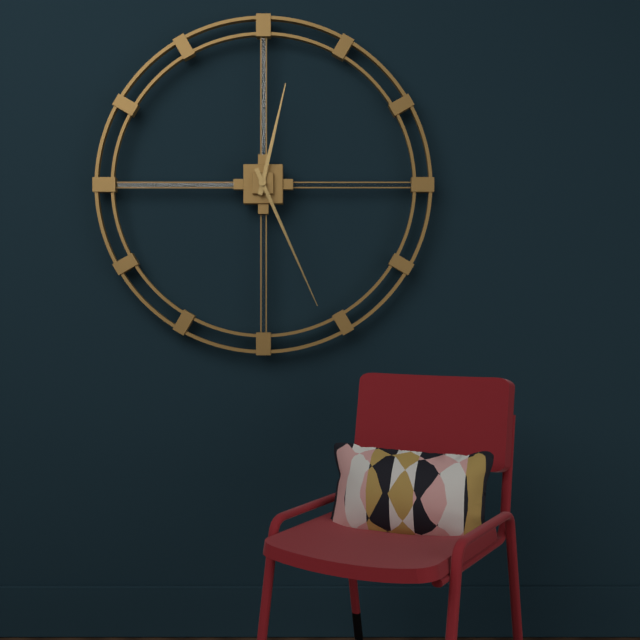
12:26
